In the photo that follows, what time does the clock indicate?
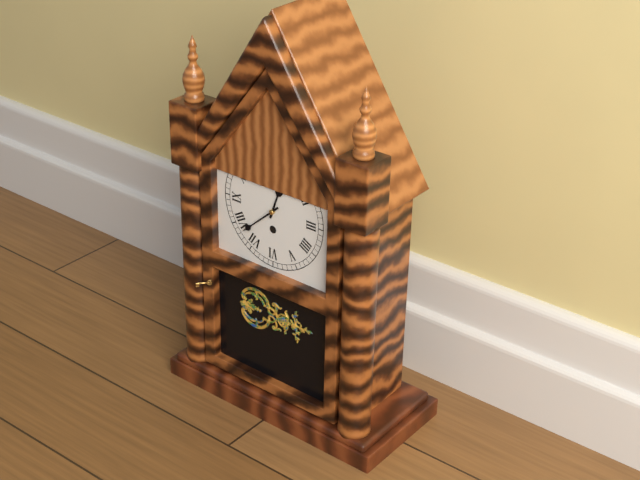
12:38
